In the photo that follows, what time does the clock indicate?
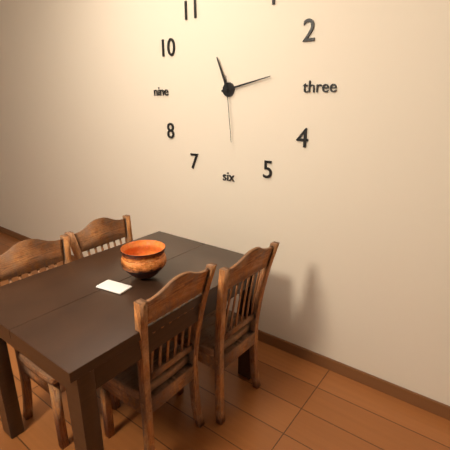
11:13:29
